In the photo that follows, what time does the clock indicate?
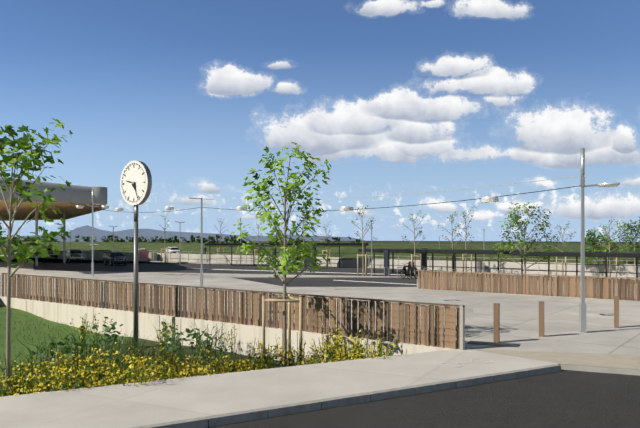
9:26
